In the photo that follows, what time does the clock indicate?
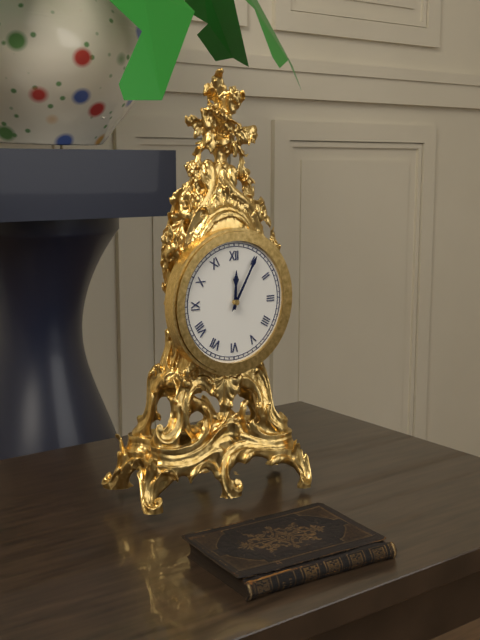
12:05
